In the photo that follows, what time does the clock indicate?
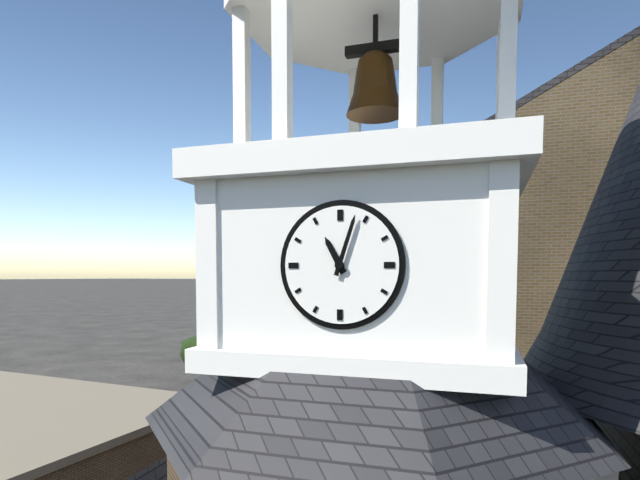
11:03
